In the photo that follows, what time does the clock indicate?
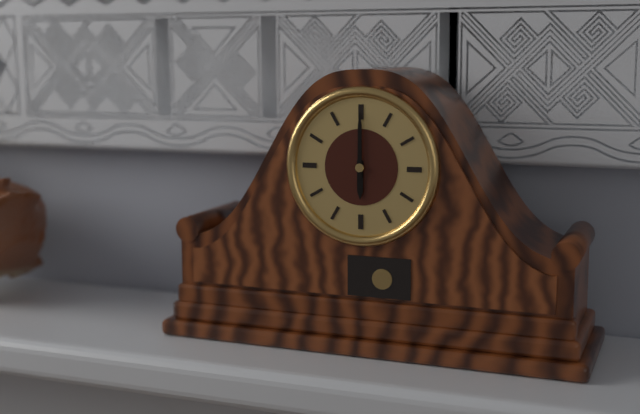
6:00
